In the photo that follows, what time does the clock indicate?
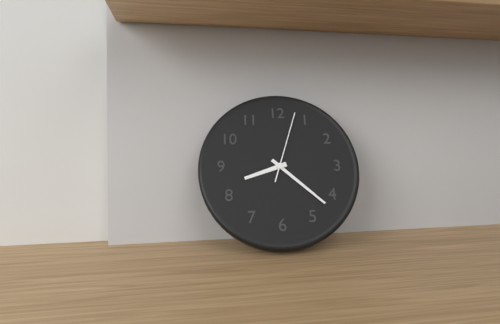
8:22:03
